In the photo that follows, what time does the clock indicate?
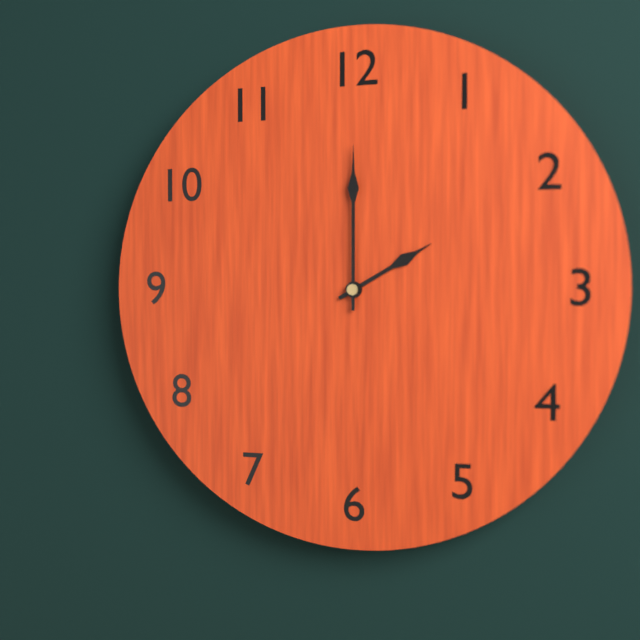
2:00
